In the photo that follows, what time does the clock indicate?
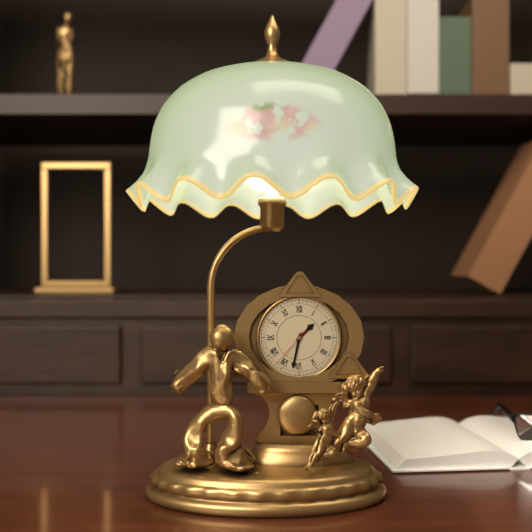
1:32
